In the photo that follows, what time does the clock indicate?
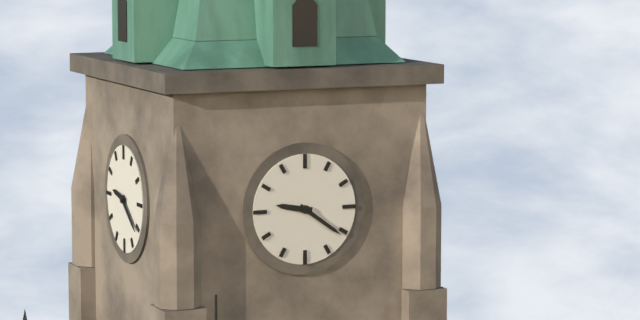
9:21
